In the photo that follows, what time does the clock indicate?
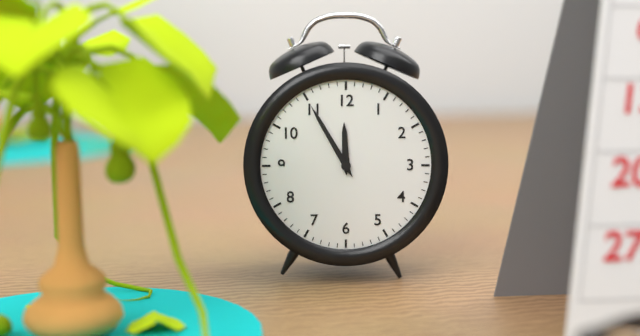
11:55
